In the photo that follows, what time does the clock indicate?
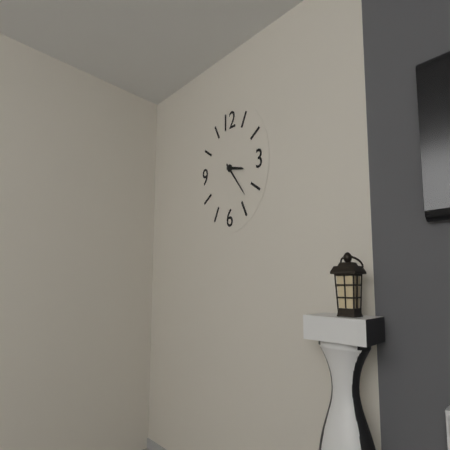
3:23
